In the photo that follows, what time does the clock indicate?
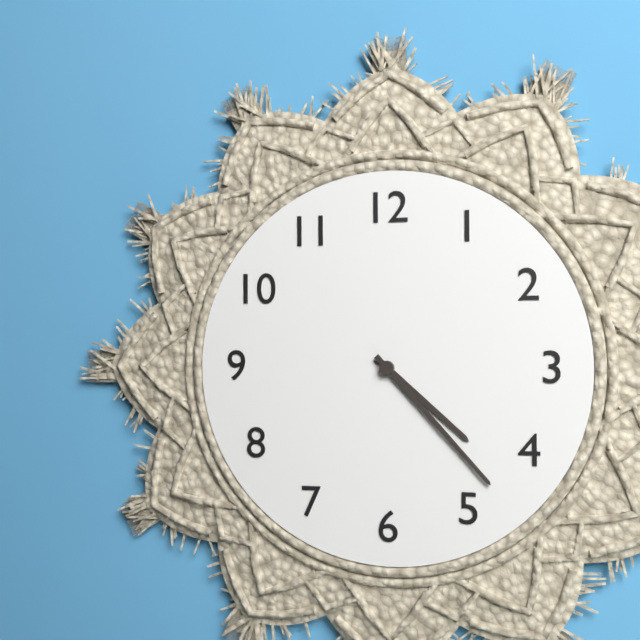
4:23
